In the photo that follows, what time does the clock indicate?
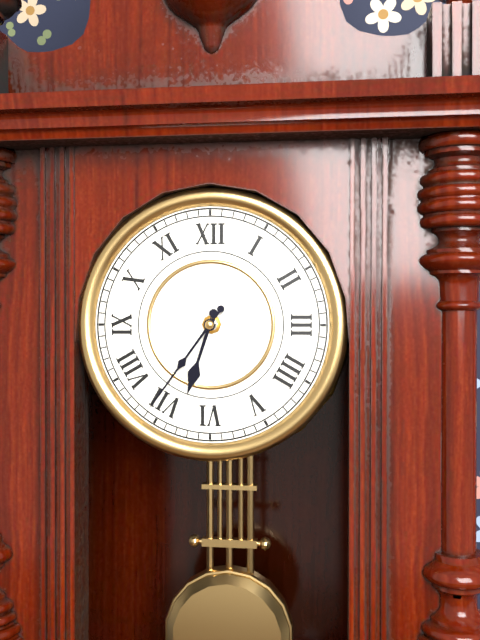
6:36
